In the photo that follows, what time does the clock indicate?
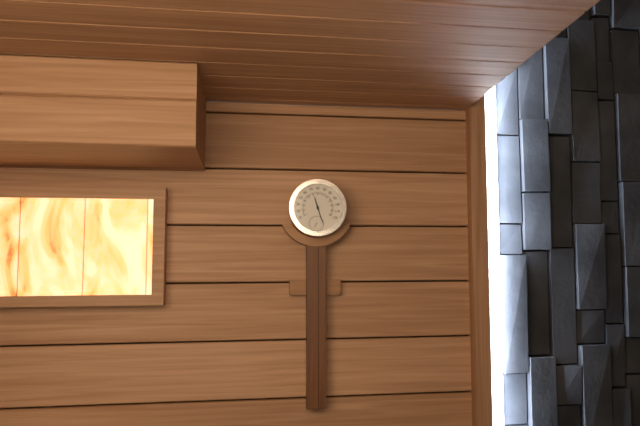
11:27
